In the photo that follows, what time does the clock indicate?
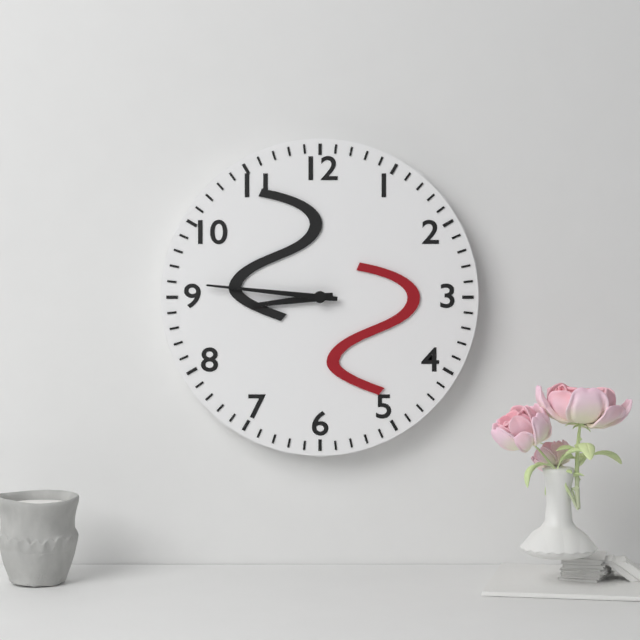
8:46
